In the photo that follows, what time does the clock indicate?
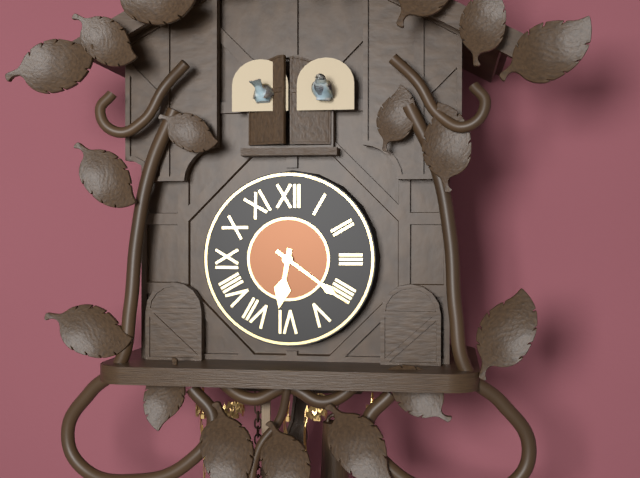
6:21
